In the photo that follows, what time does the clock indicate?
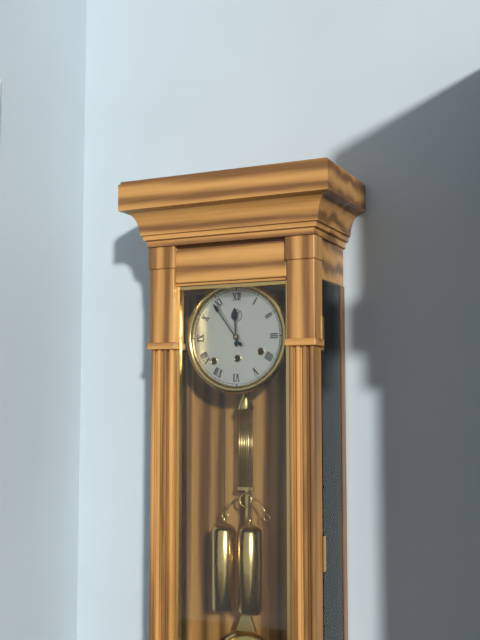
11:54
